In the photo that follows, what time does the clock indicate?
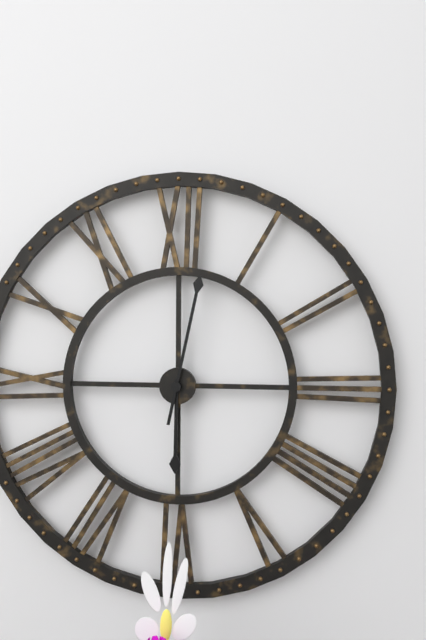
6:02
